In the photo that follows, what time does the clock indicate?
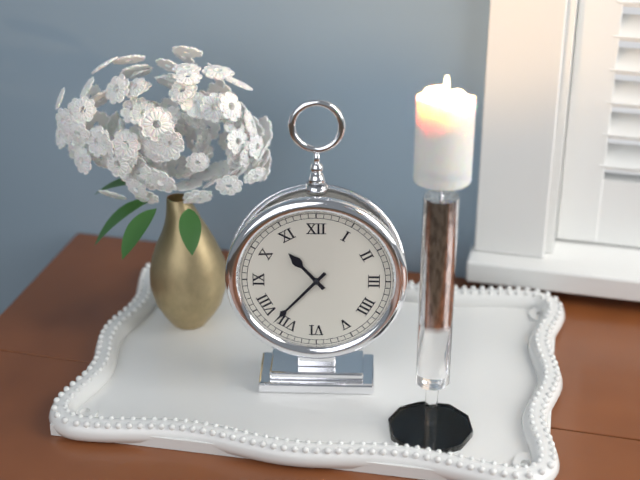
10:37
